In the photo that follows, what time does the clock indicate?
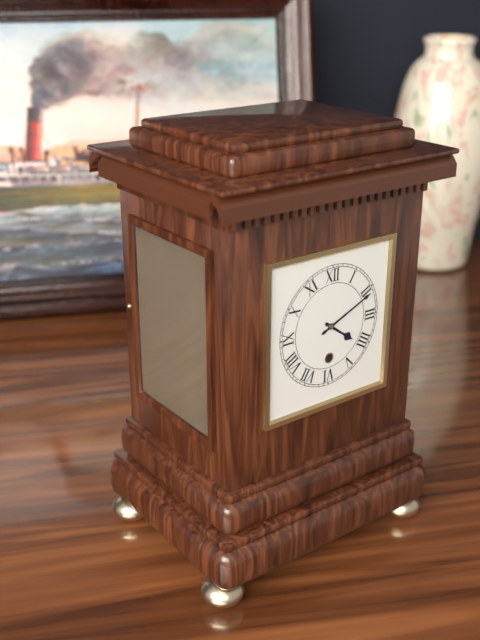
4:11
